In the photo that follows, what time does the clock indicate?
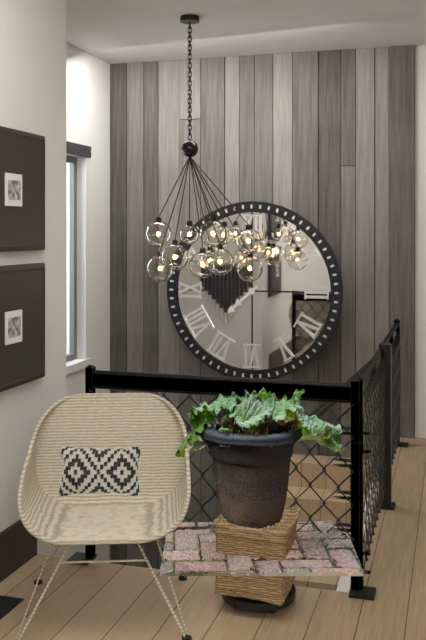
7:38
